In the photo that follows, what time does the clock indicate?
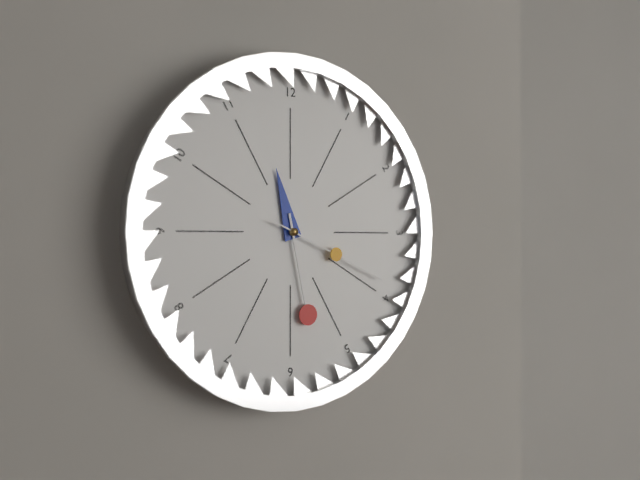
11:28:19
